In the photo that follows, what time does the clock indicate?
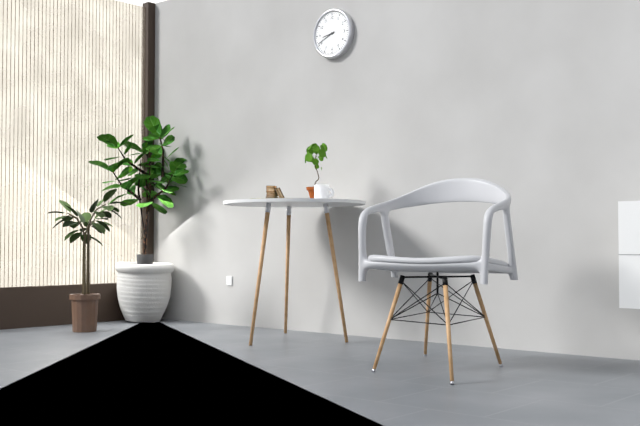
8:41
